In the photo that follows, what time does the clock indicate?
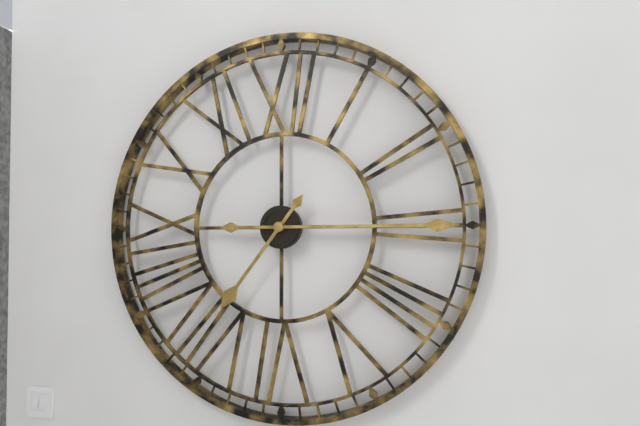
7:15
